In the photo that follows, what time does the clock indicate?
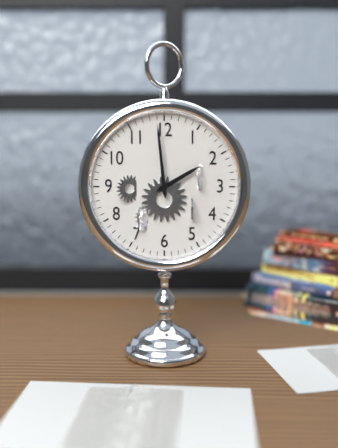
1:59
